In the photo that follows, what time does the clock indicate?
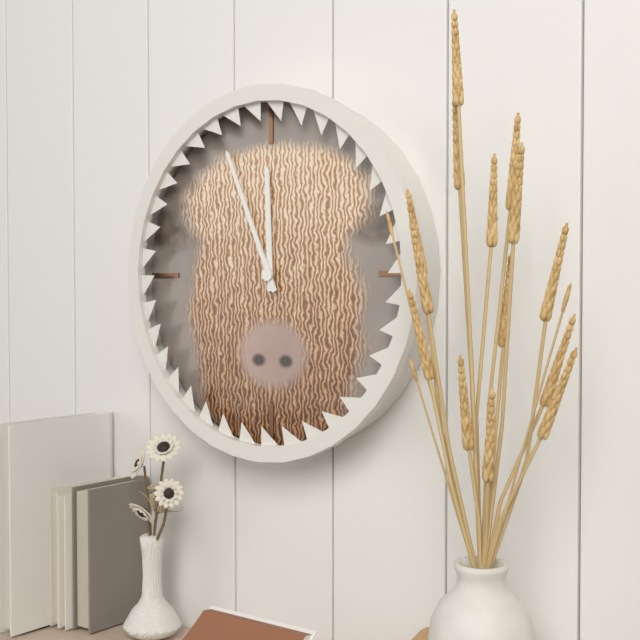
11:56
